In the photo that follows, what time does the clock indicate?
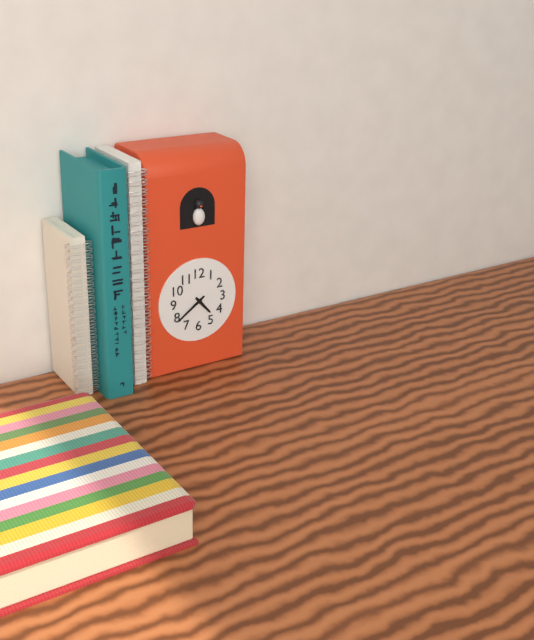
4:39
